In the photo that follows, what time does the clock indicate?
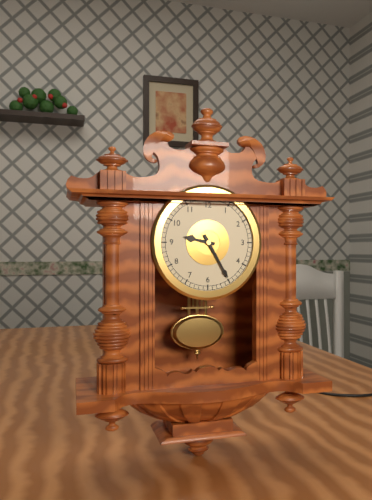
9:25
